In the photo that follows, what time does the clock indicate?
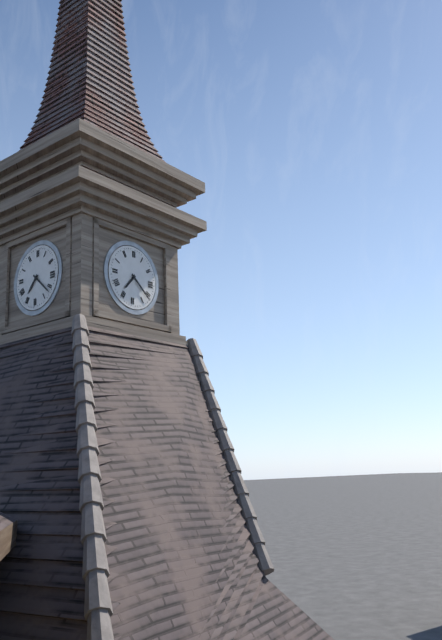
7:22
